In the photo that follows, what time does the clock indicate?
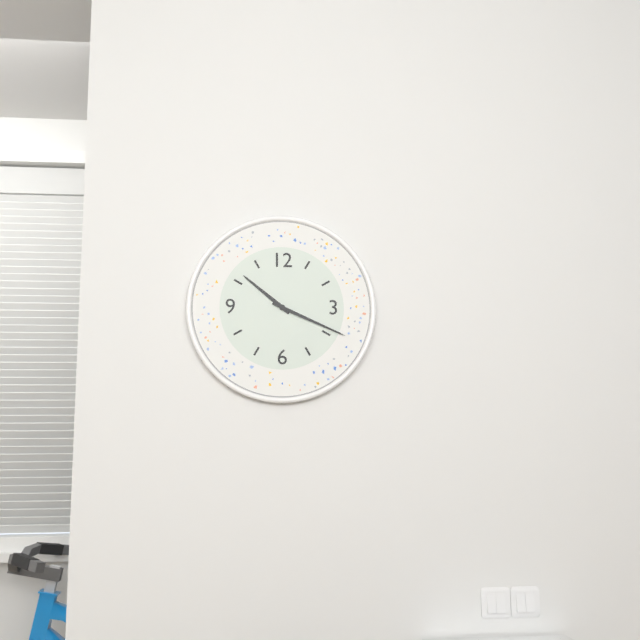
10:19
